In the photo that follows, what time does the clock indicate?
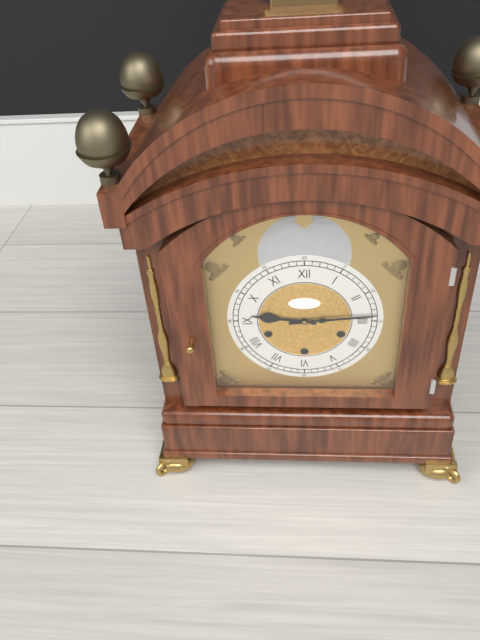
9:14
